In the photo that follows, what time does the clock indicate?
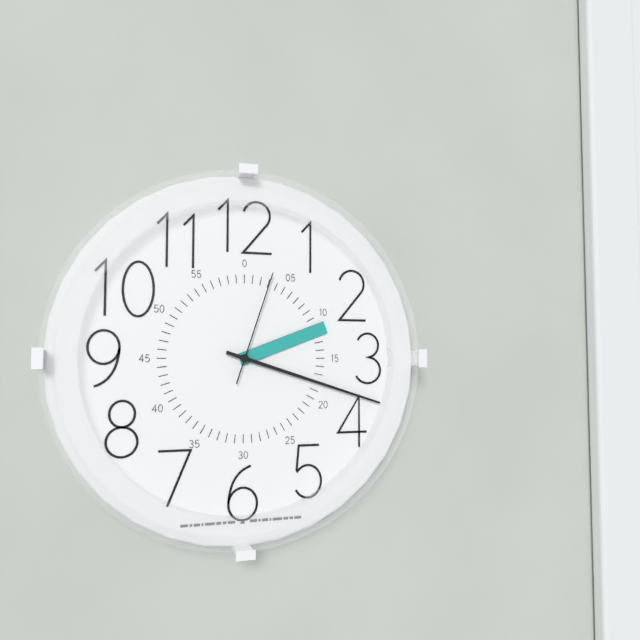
2:18:03
